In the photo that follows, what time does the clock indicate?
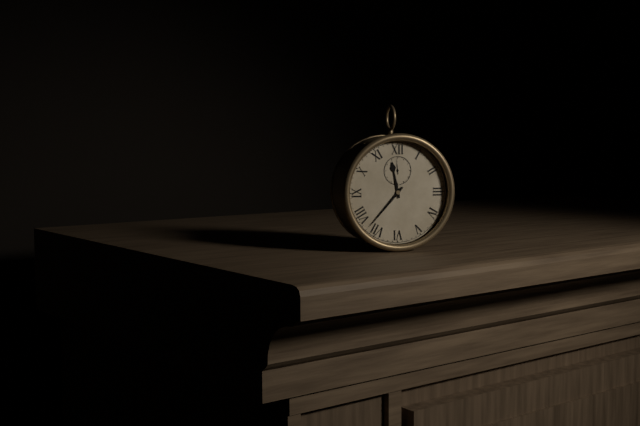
11:37
